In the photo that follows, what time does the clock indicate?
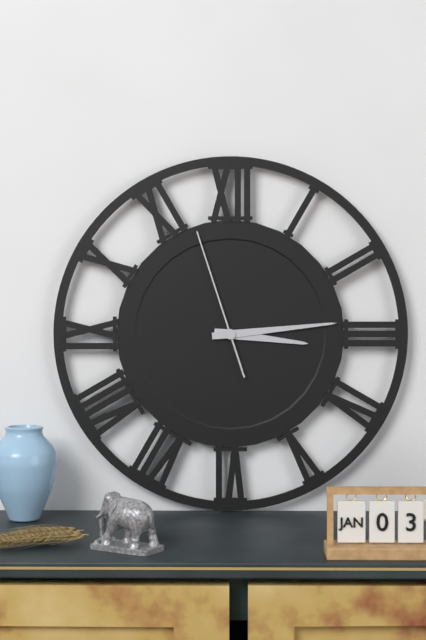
3:14:57
